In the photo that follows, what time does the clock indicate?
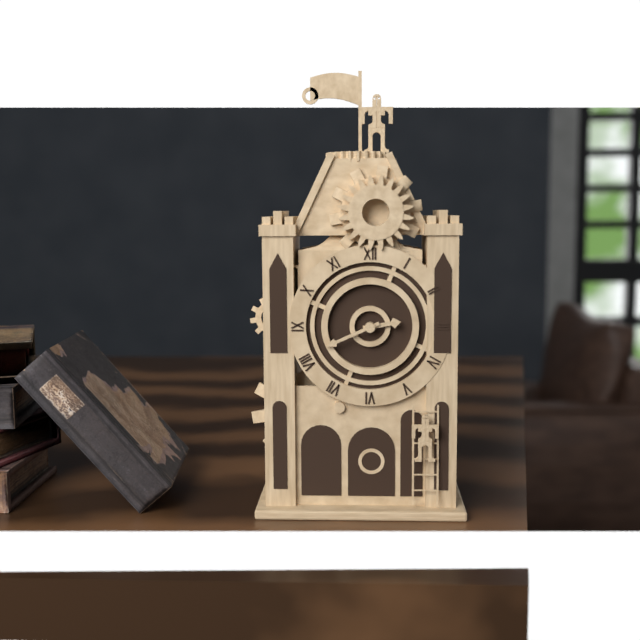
2:41
